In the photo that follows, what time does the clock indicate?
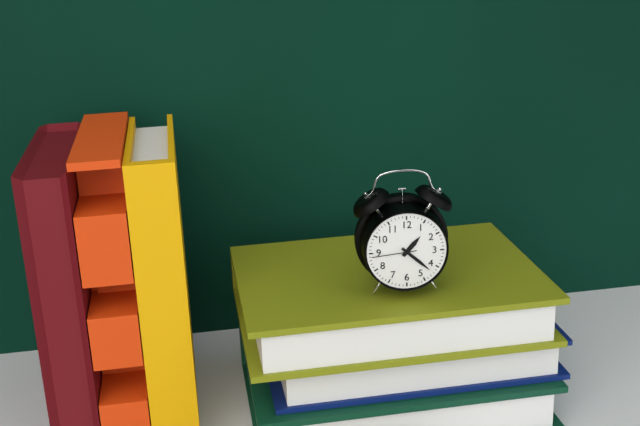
1:22
